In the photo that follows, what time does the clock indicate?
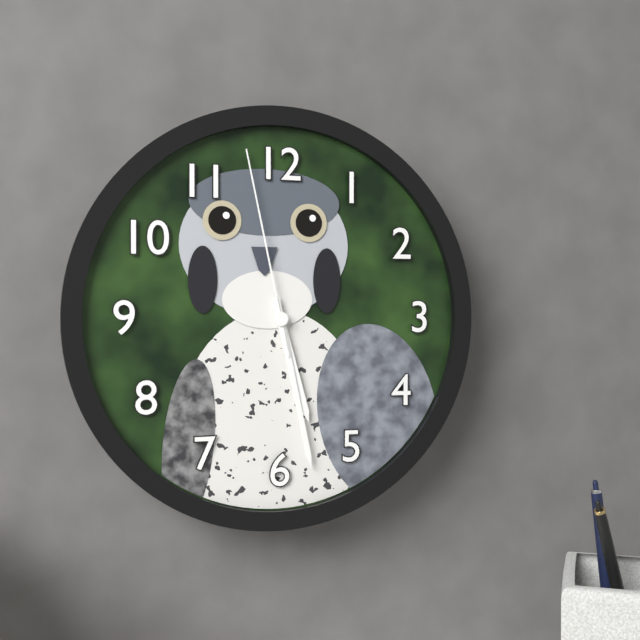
5:28:58
